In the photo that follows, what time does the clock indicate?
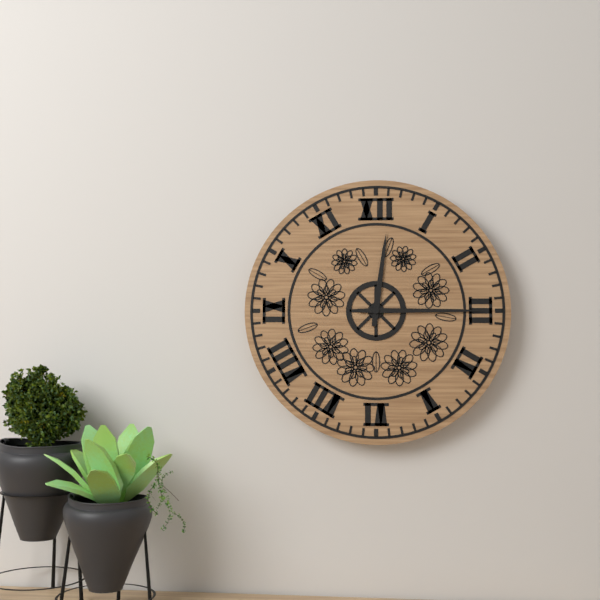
12:15
